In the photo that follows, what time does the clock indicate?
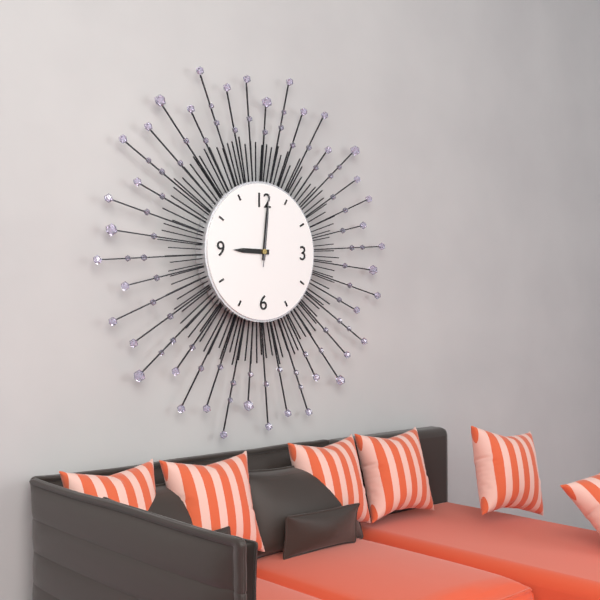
9:01:01
